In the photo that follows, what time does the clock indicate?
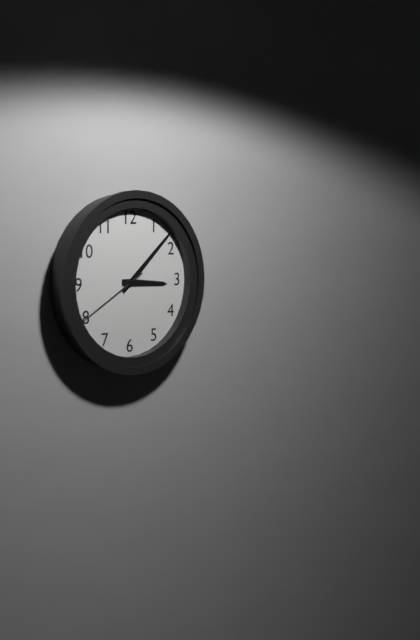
3:08:40
